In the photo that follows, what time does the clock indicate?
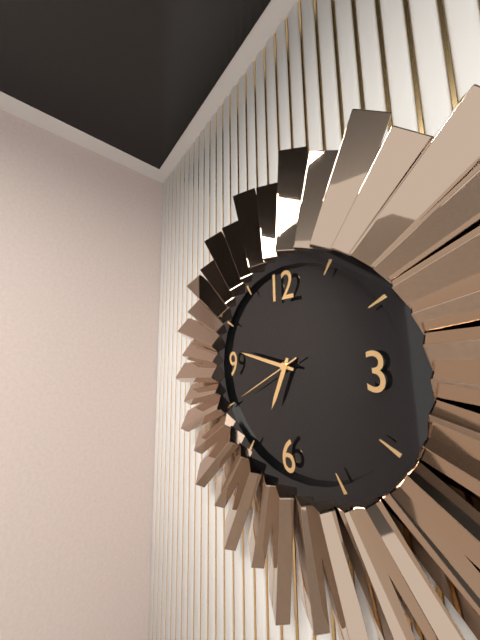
6:47:40
